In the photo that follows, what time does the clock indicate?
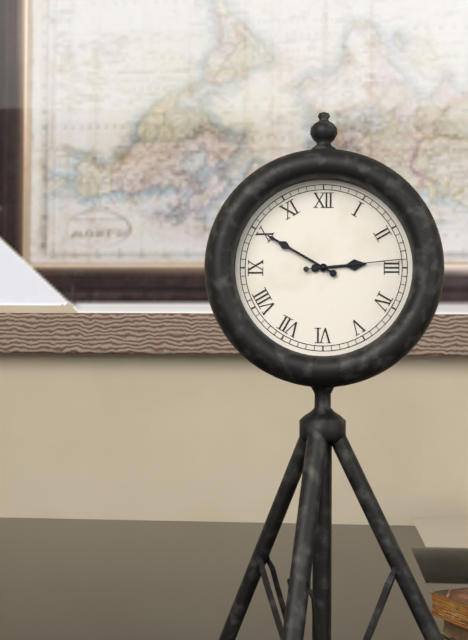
2:50:14
